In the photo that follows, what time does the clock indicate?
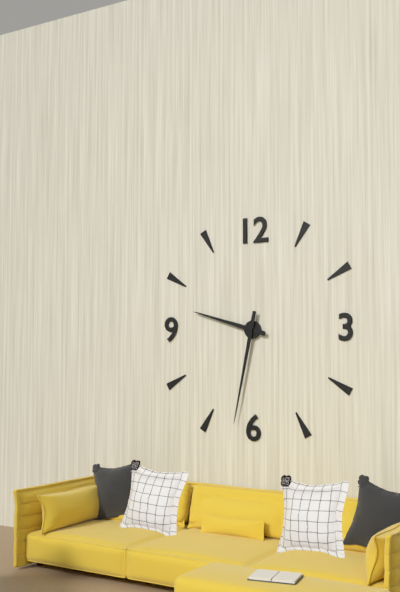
9:32
